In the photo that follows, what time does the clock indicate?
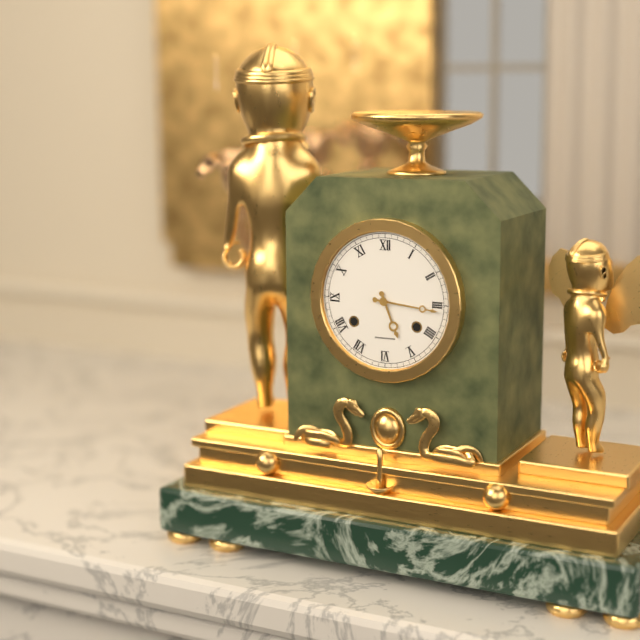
5:16
